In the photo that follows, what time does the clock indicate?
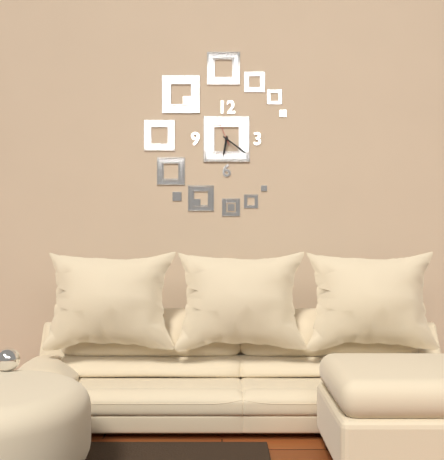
6:21
